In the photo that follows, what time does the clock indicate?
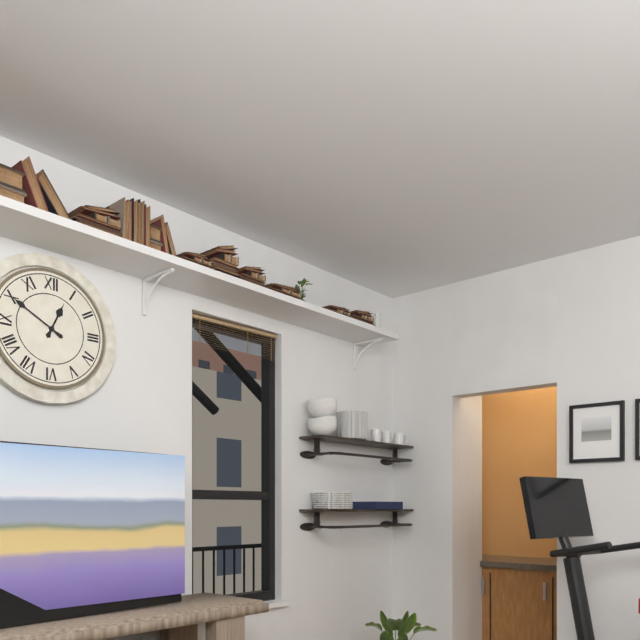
12:50
